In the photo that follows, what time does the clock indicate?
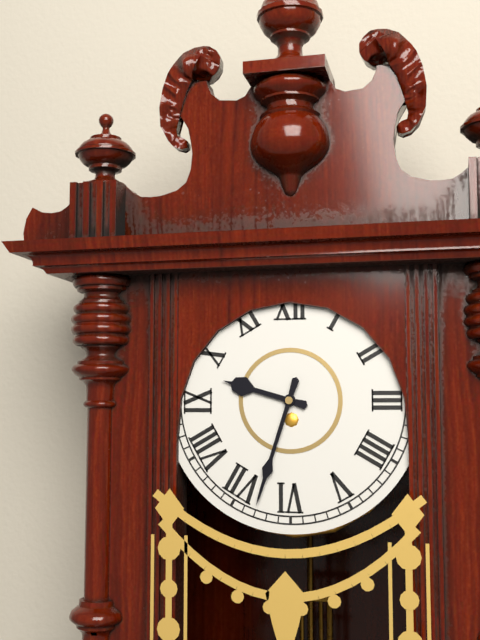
9:33
